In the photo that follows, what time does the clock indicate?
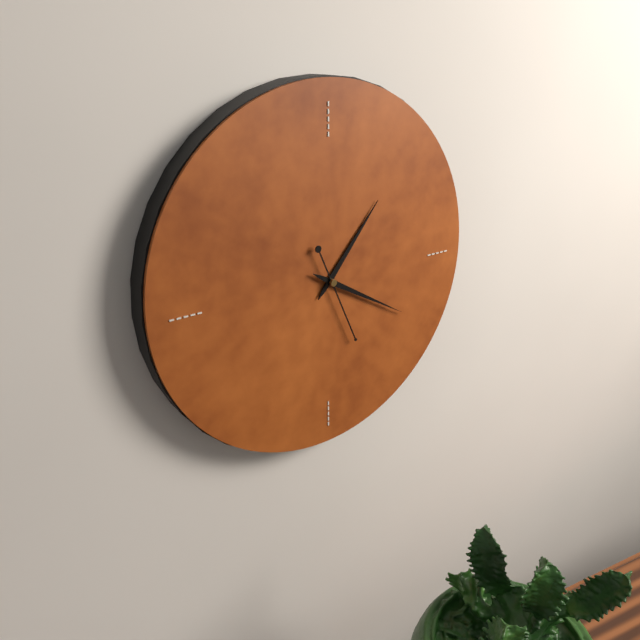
1:20:26
